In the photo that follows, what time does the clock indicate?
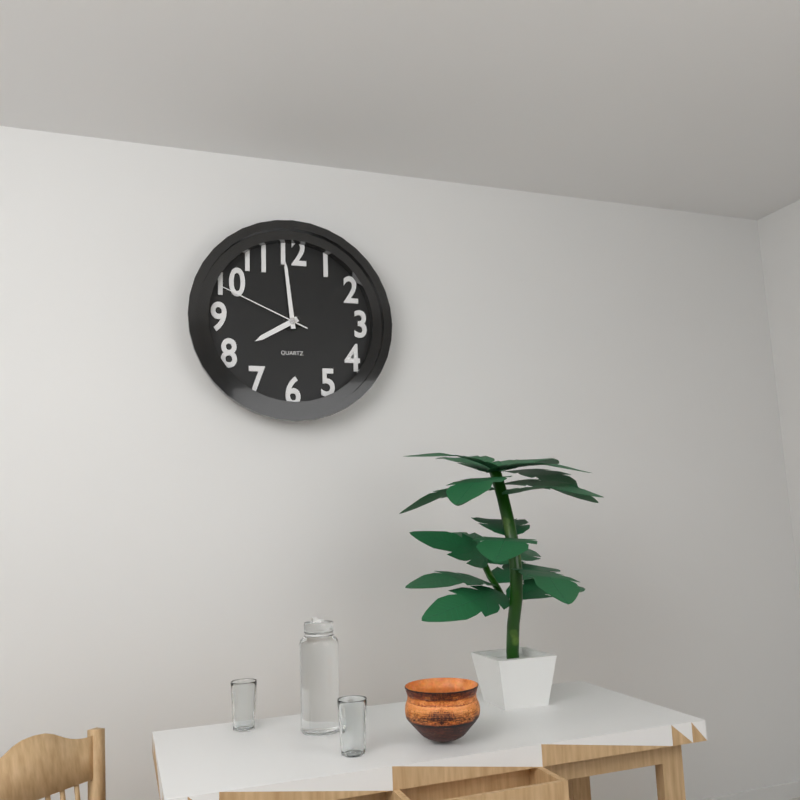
7:59:49
